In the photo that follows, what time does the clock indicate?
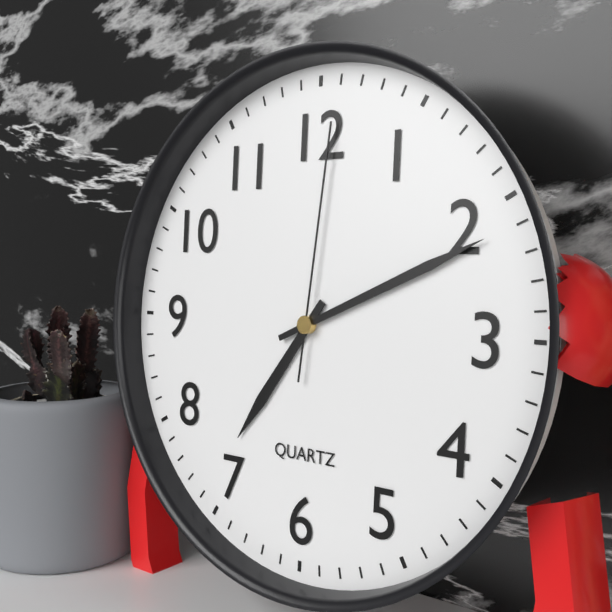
7:11:01
